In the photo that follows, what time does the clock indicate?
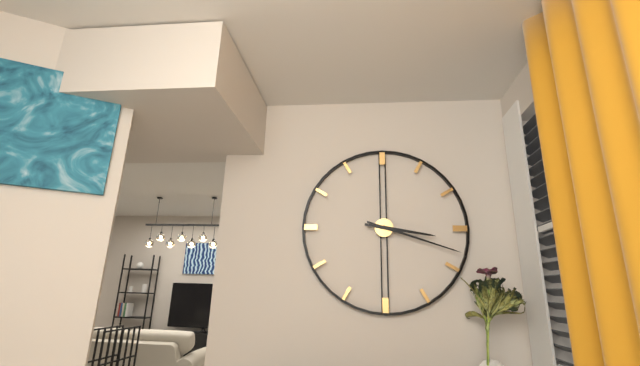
3:18
